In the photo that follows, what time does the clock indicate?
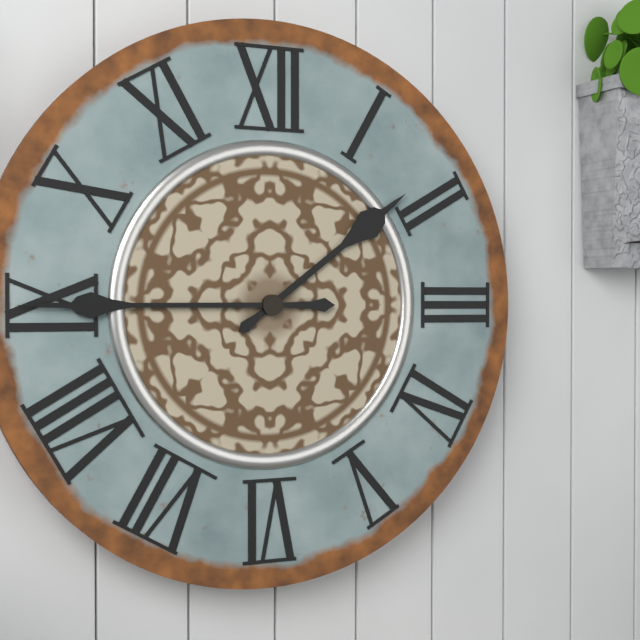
1:45
